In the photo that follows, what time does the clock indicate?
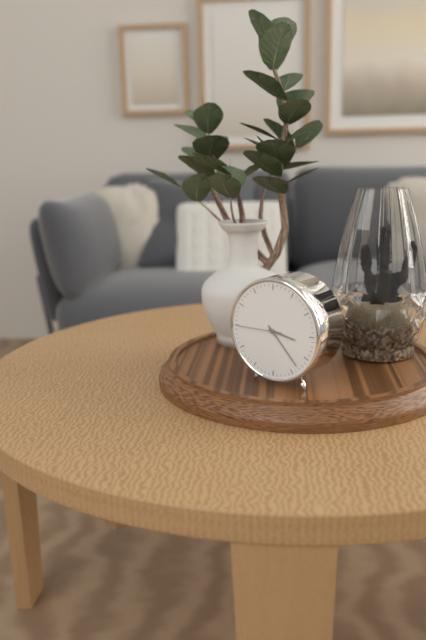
3:23
